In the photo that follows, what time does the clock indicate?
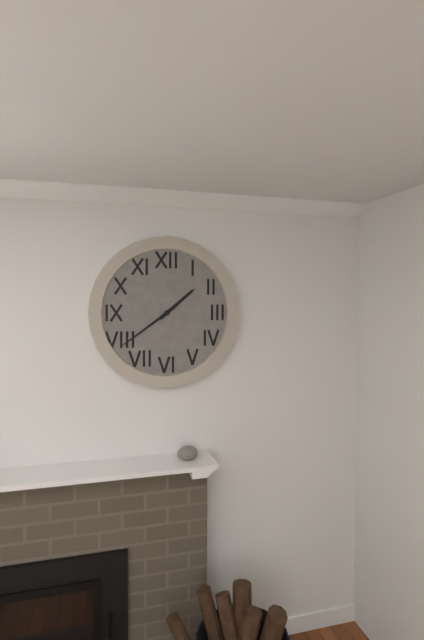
1:39
